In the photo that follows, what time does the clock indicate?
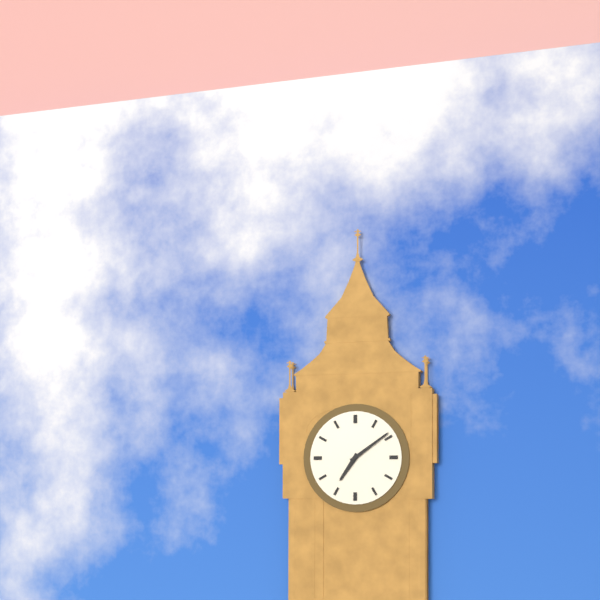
7:09
